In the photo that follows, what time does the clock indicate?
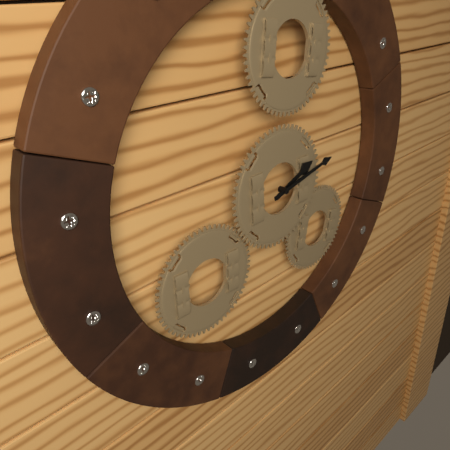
2:13
